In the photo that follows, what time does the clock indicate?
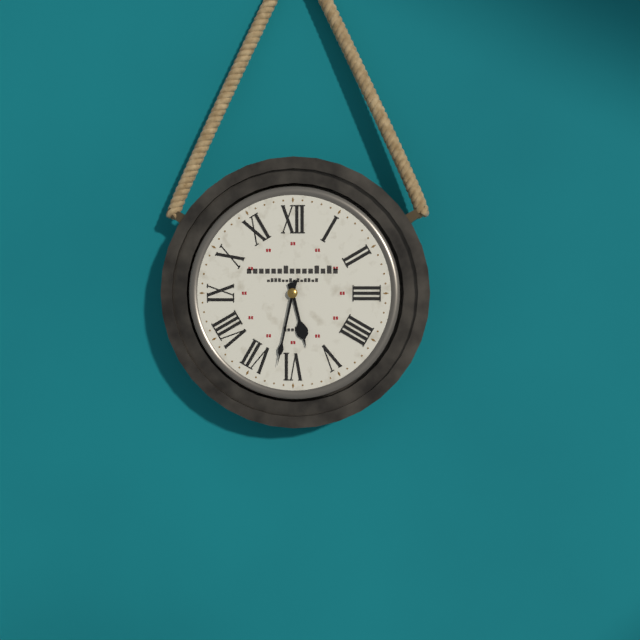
5:32
